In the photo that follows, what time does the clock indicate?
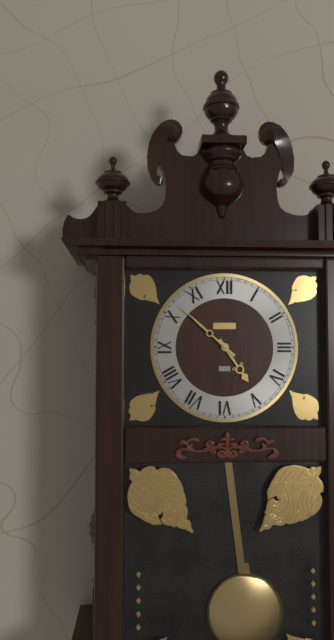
4:52
